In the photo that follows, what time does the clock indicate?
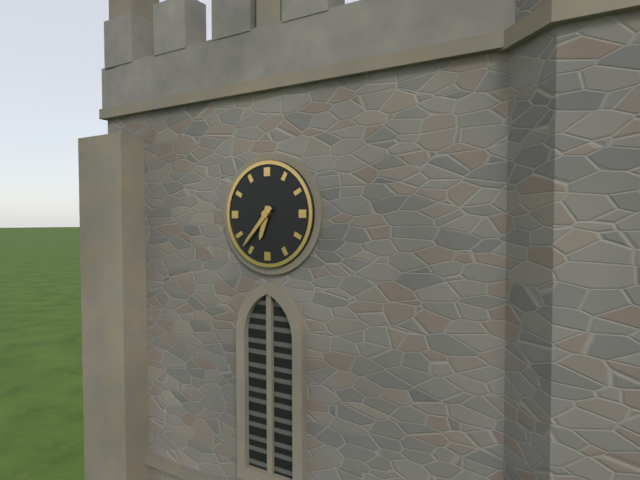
6:37
